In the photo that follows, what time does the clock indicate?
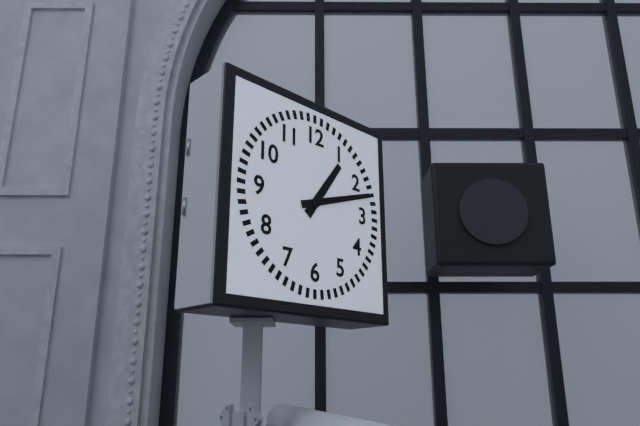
1:12
